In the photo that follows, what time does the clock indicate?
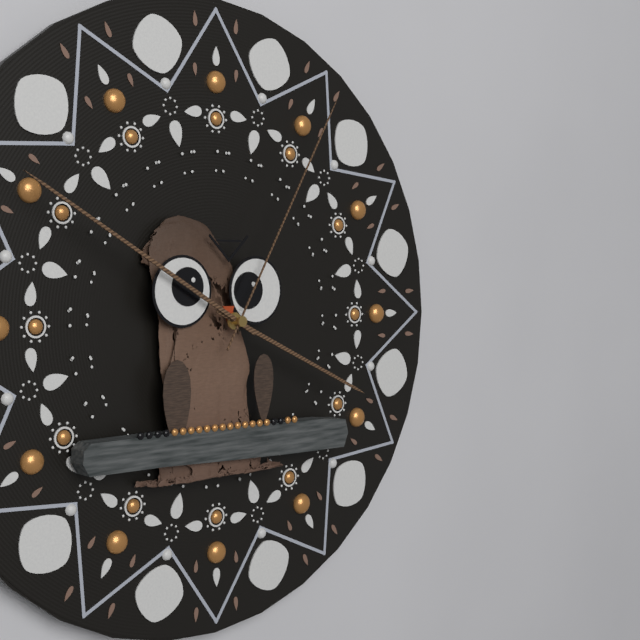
3:50:05
